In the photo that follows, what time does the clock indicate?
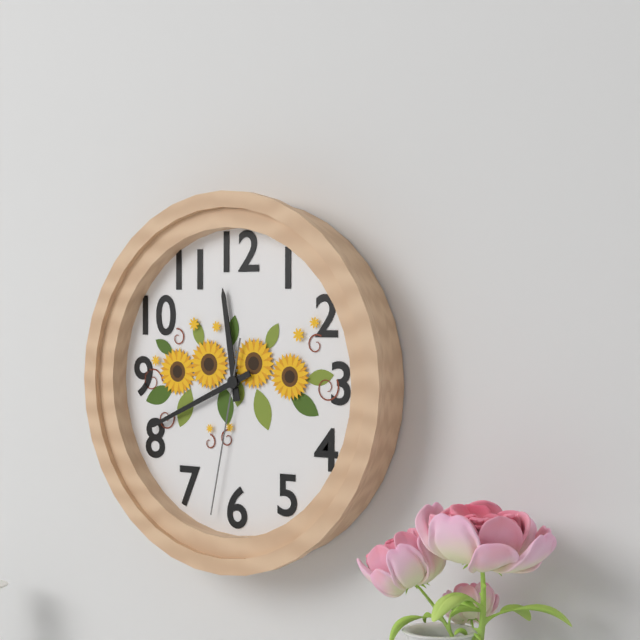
11:41:32
